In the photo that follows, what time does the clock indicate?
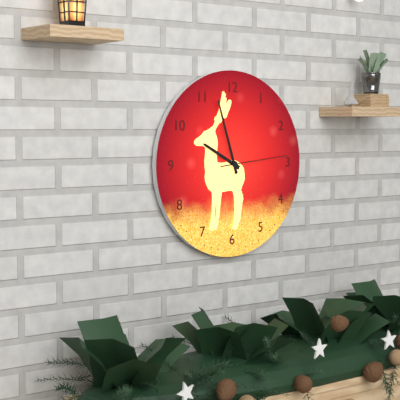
9:57:14
